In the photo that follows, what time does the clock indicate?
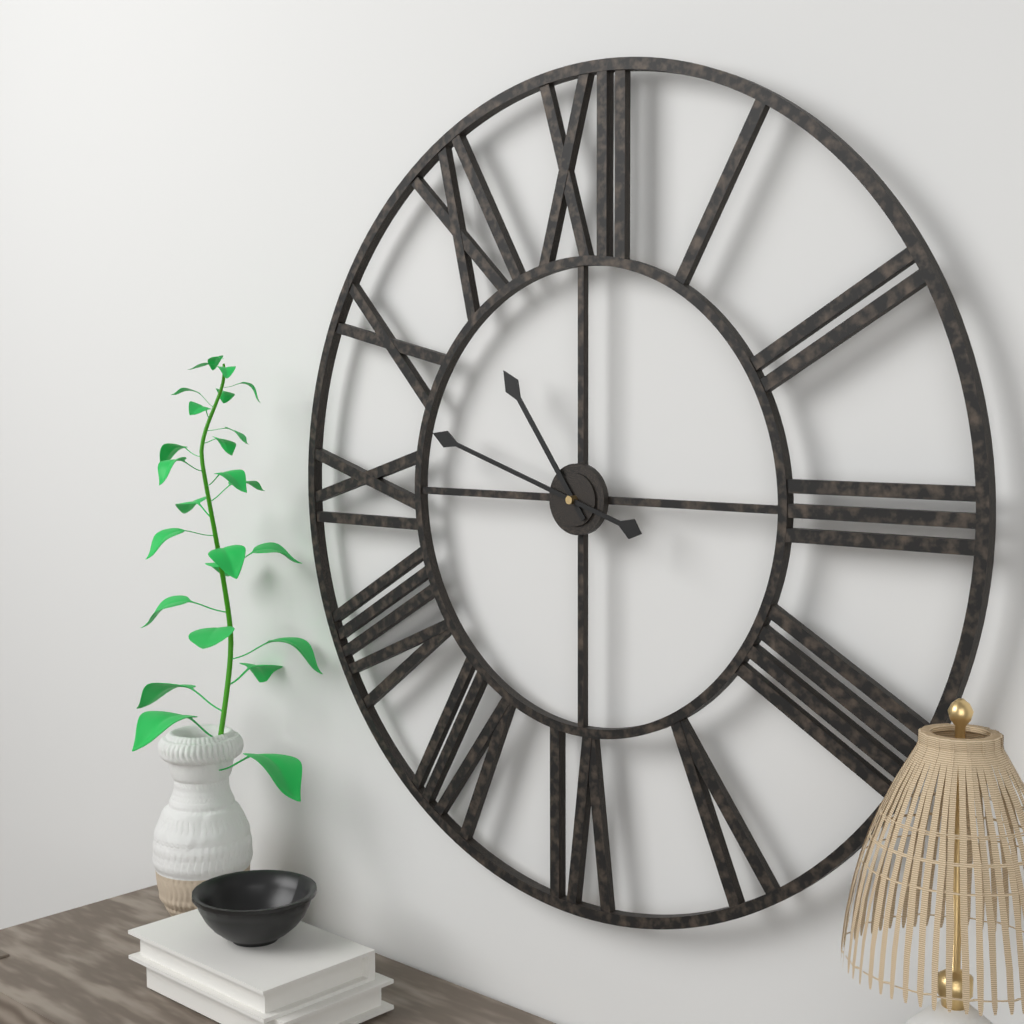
10:48
